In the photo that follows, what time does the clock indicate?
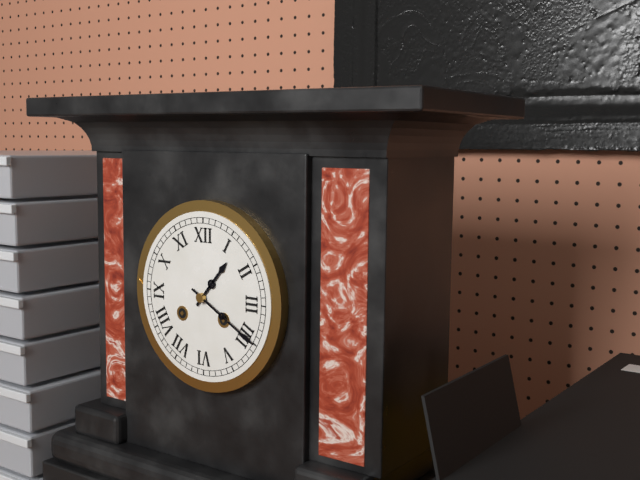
1:20
